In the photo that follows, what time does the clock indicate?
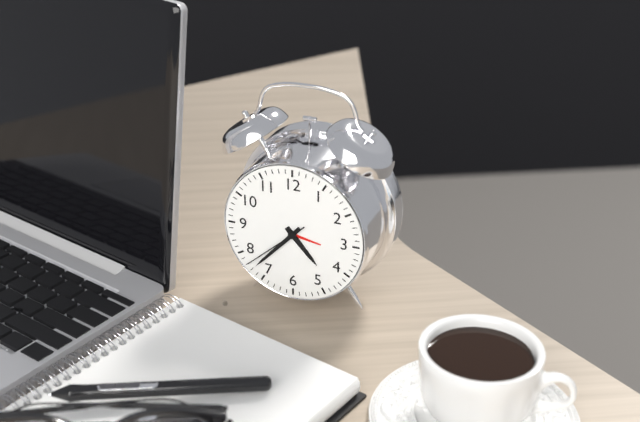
4:37:38
